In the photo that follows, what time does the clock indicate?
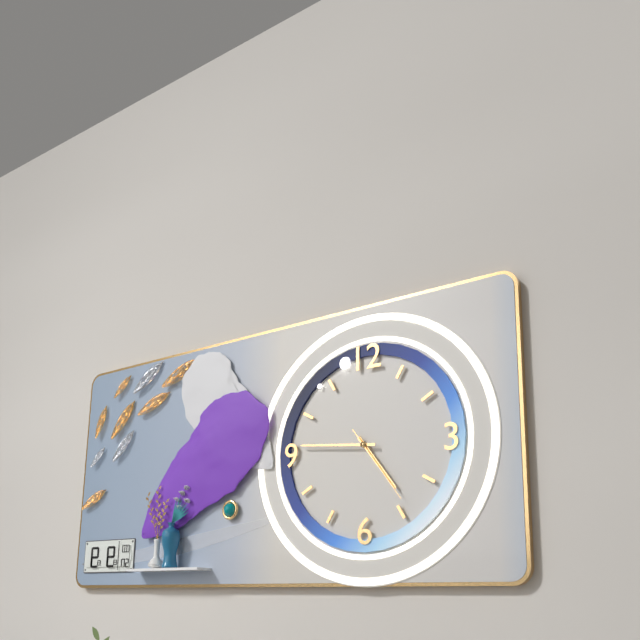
4:46:24
